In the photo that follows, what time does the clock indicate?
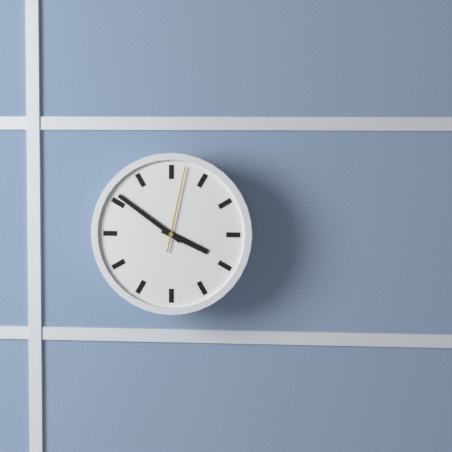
3:51:02
